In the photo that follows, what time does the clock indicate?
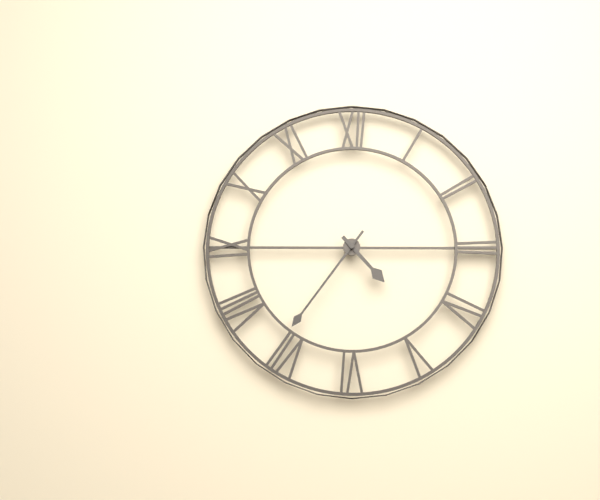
4:36
